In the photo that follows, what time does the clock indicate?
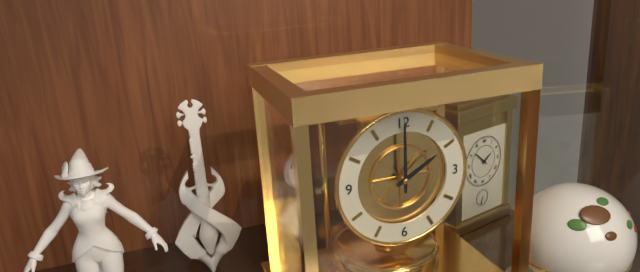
2:00
